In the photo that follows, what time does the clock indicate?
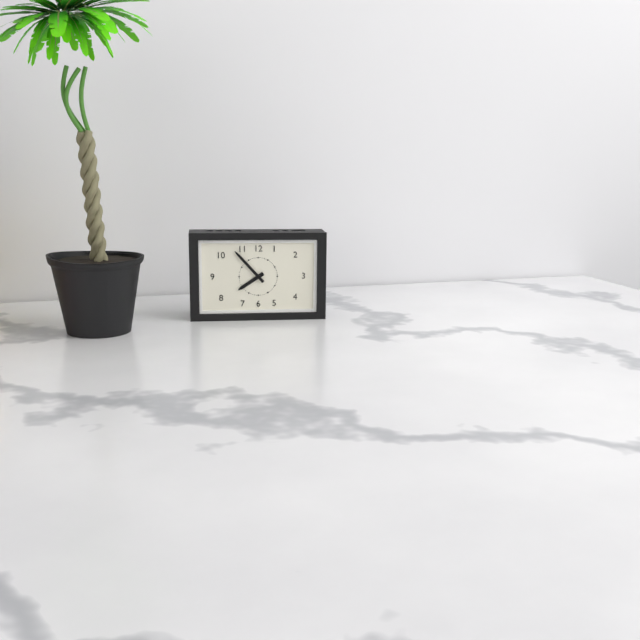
7:53
